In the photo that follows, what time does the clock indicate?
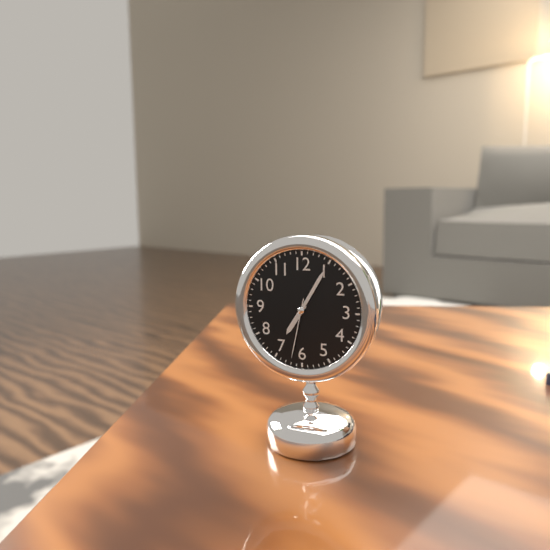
7:05:32
